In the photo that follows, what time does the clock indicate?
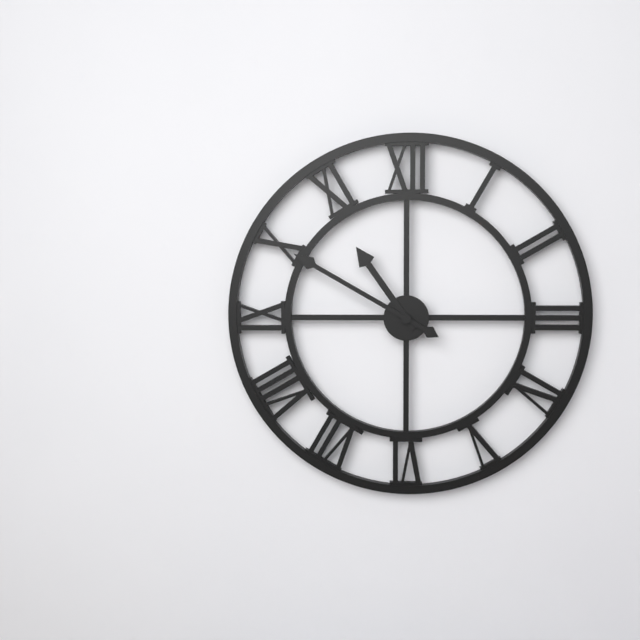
10:50
